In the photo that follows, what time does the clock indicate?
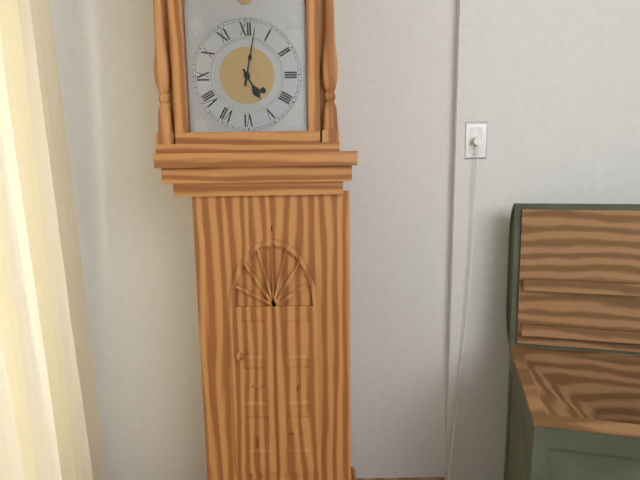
5:02
